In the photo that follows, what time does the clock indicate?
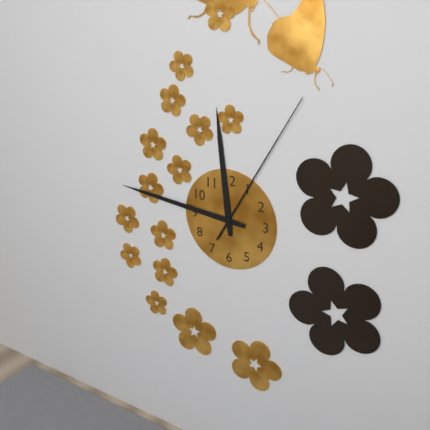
11:46:05
